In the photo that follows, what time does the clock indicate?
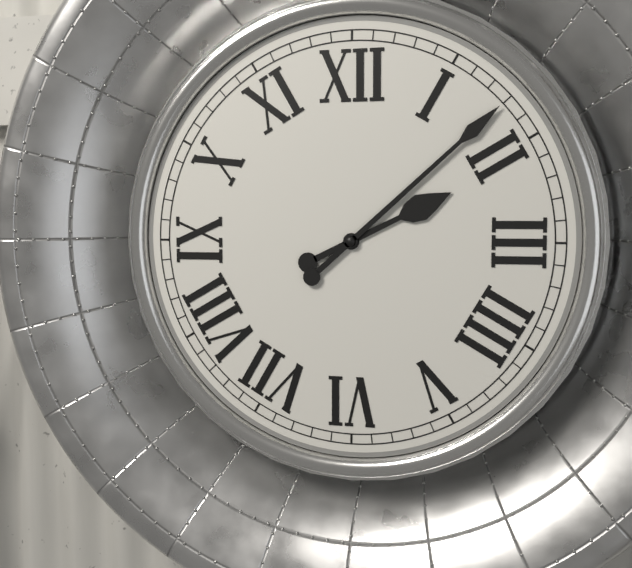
2:08
